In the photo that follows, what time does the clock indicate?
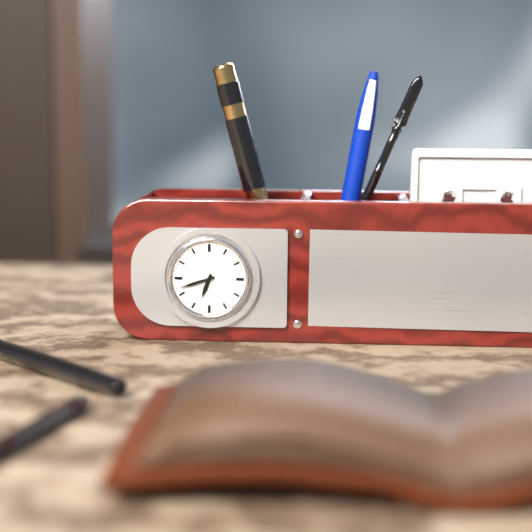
6:42
